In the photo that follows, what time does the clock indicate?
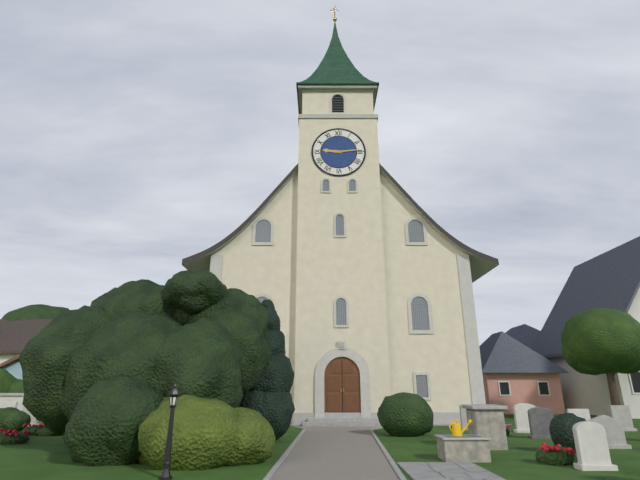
9:14
